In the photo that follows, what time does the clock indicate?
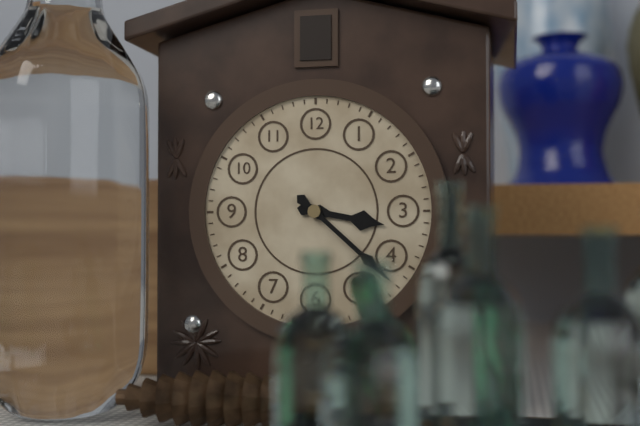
3:22
